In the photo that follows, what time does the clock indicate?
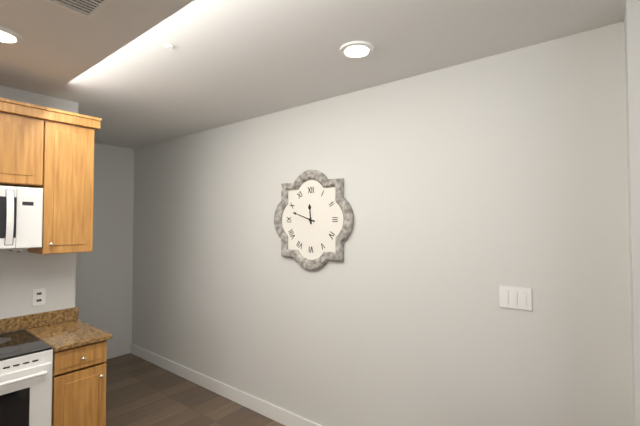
11:48
